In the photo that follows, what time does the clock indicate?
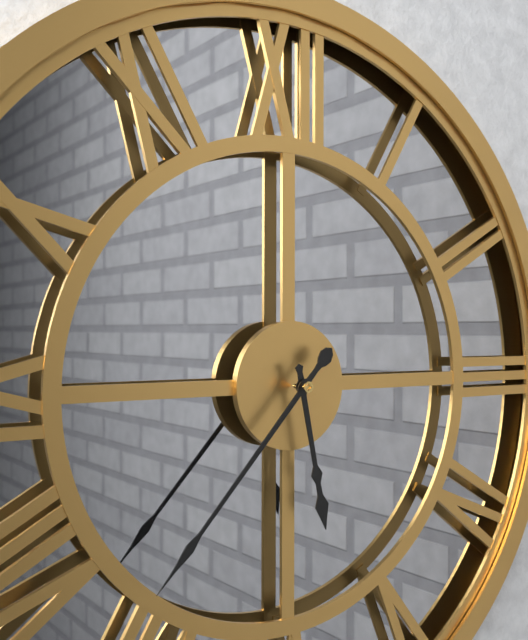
5:37
